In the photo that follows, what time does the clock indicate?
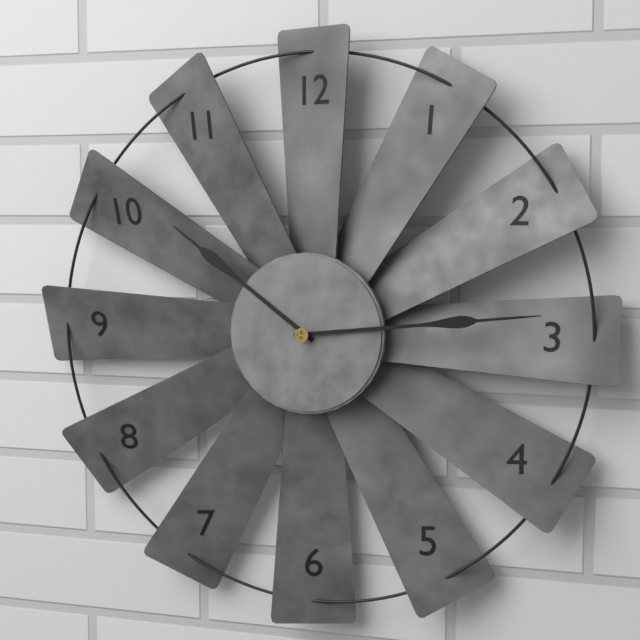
10:14
